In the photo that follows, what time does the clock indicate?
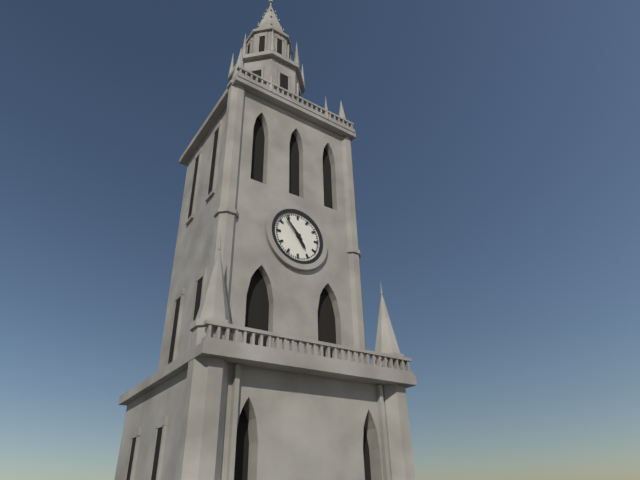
4:53
